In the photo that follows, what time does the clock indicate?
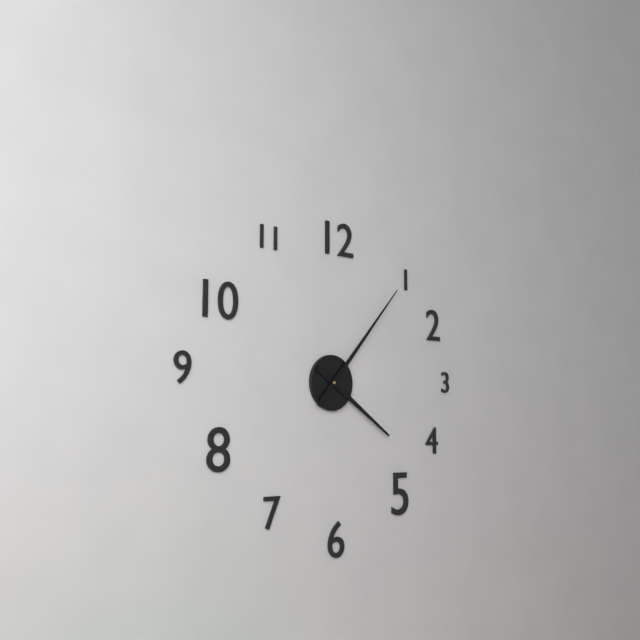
4:07
